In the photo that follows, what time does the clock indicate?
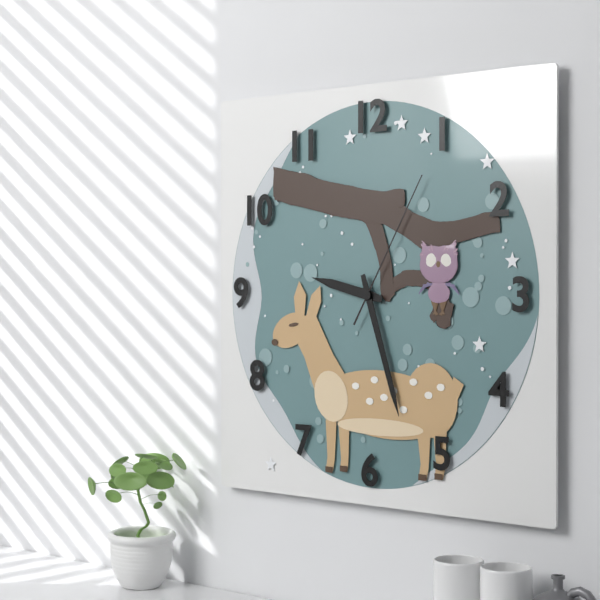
9:27:05
